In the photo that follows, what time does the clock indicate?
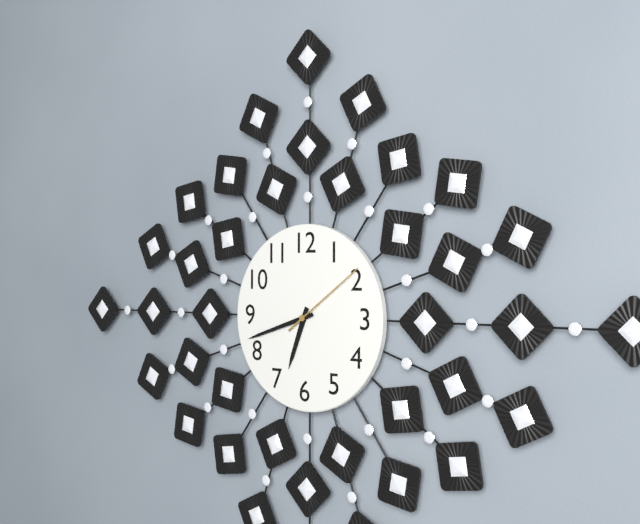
6:42:09
